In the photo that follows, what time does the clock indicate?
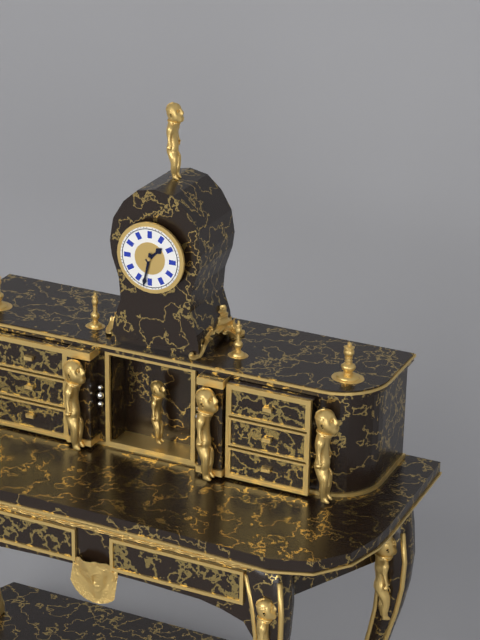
1:32
